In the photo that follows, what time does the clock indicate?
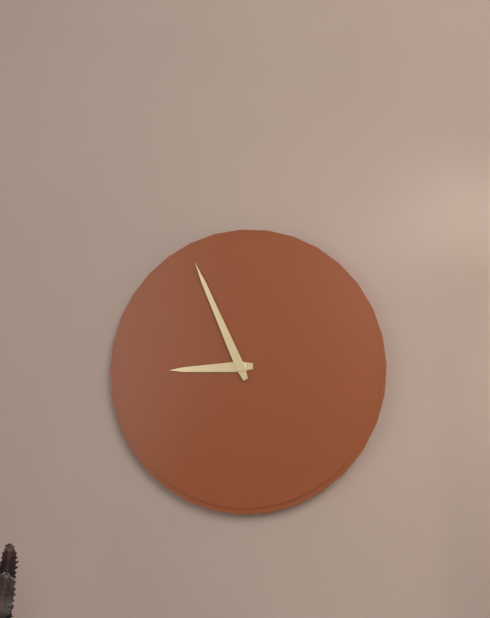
8:56
